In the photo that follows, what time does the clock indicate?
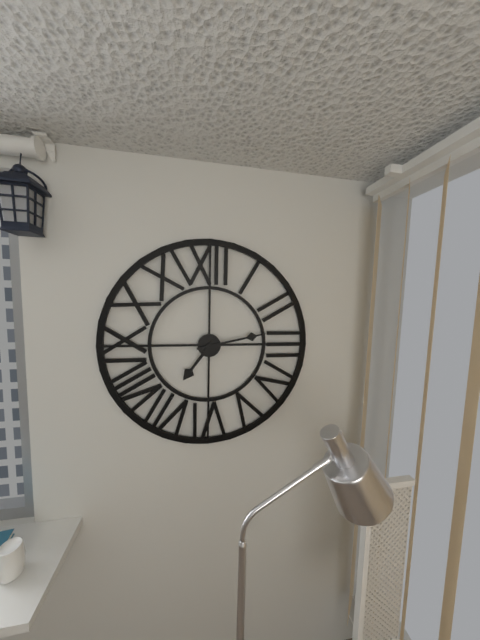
7:13
